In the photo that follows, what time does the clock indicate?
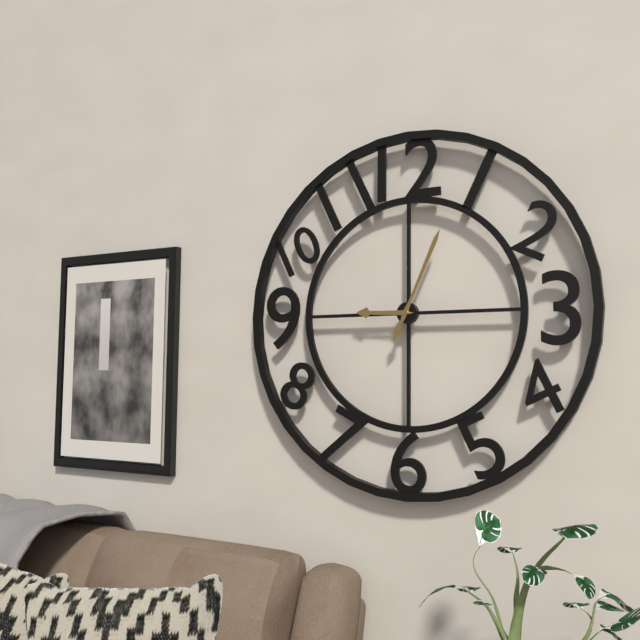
9:04
